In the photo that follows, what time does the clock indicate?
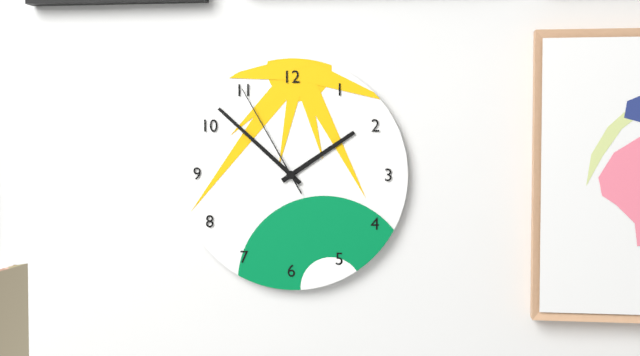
1:52:55
